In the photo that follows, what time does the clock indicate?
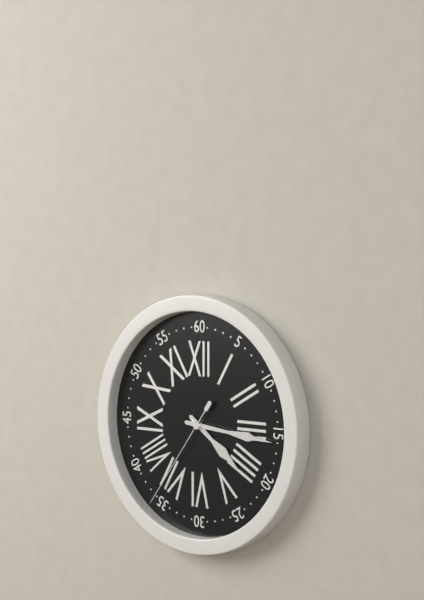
4:16:36
